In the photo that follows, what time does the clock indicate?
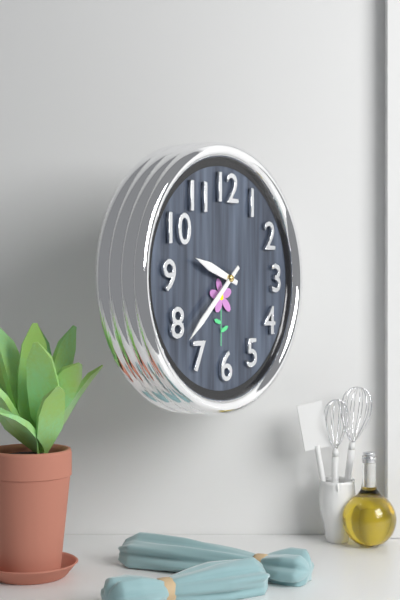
9:38
